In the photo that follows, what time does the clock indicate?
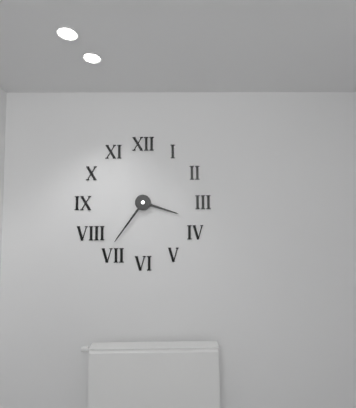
3:36
